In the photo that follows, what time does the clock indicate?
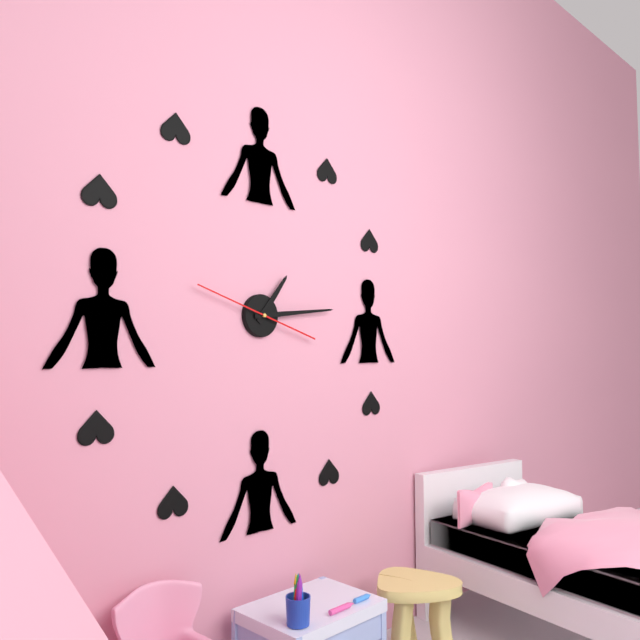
1:14:48
